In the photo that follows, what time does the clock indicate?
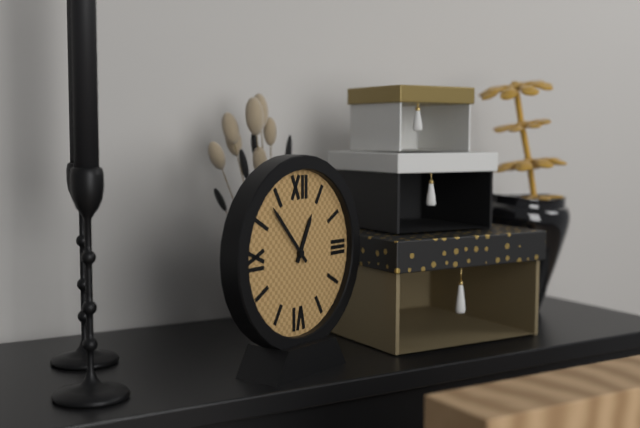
12:53
